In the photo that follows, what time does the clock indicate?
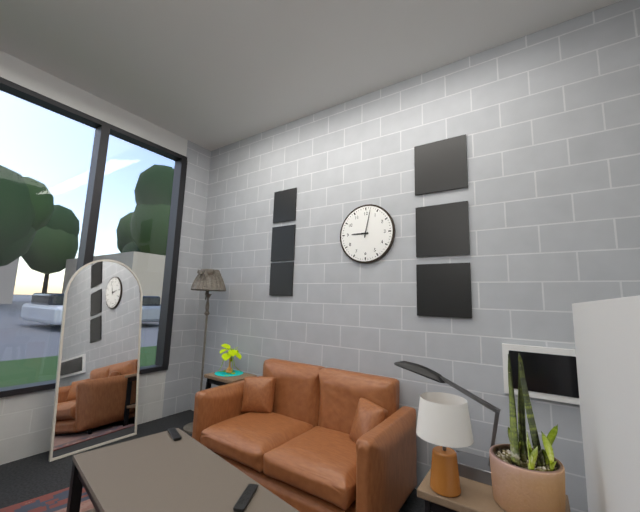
9:02
